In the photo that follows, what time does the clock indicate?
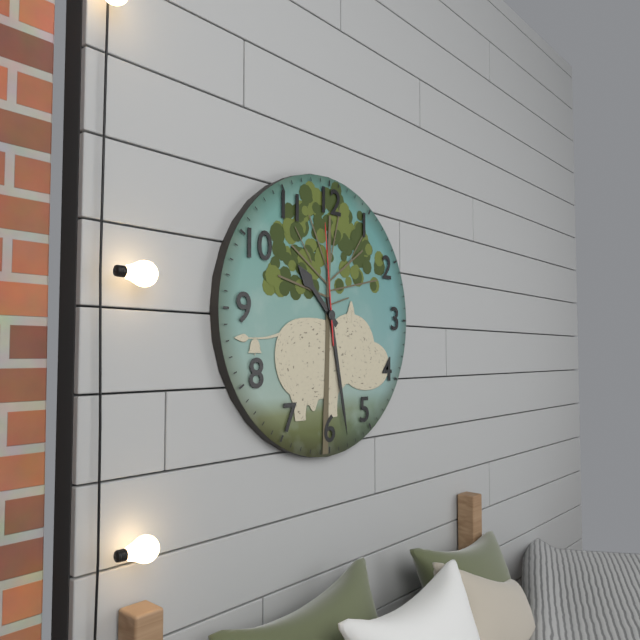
10:28:59
